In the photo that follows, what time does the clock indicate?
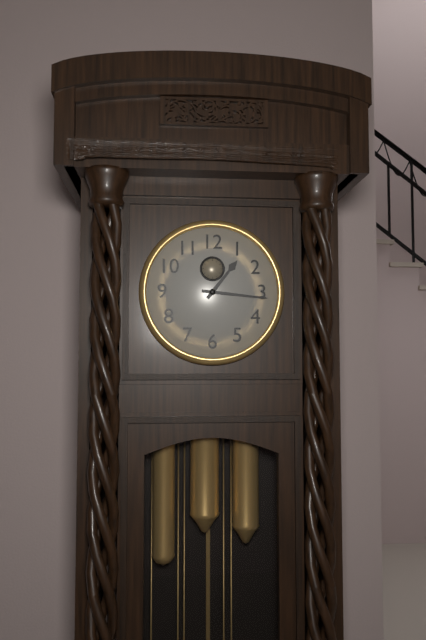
1:16
